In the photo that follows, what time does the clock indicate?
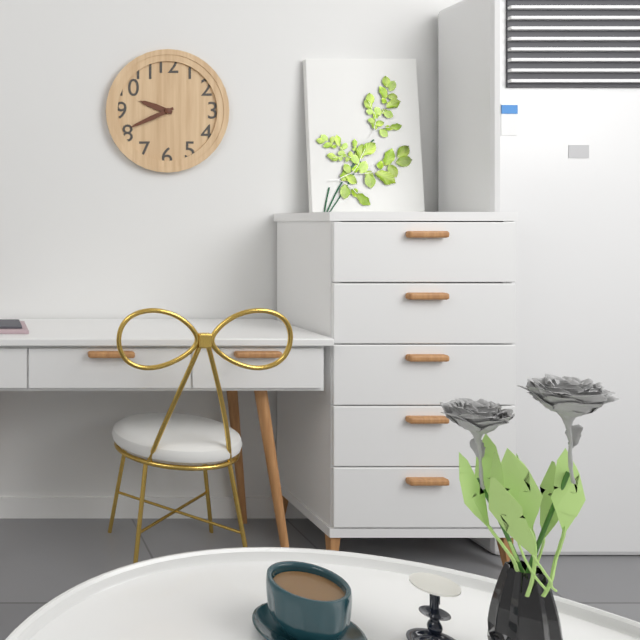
9:41
